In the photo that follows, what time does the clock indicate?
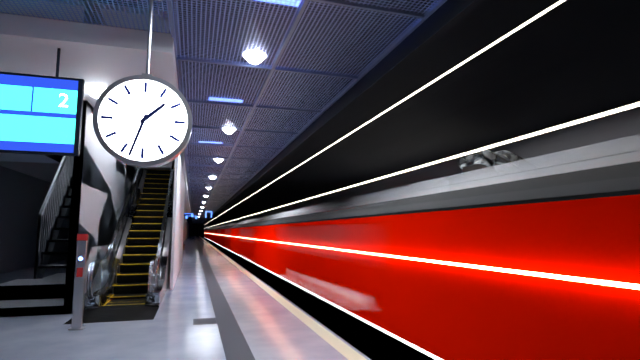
1:33
